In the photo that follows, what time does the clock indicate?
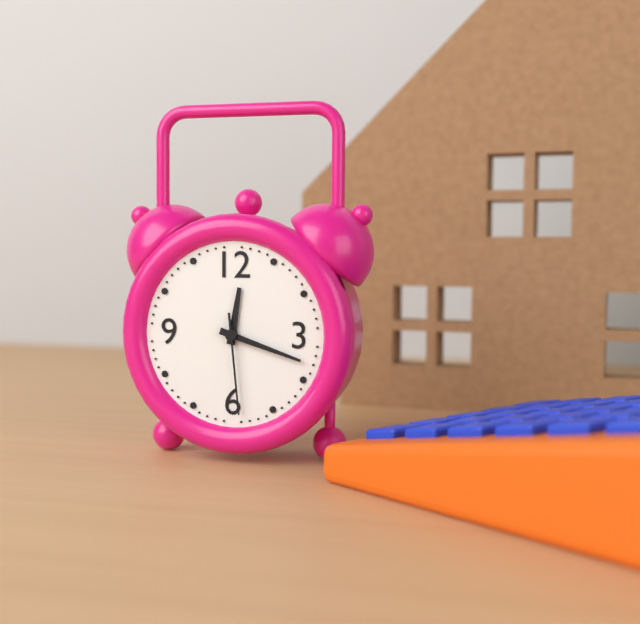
12:18:29
